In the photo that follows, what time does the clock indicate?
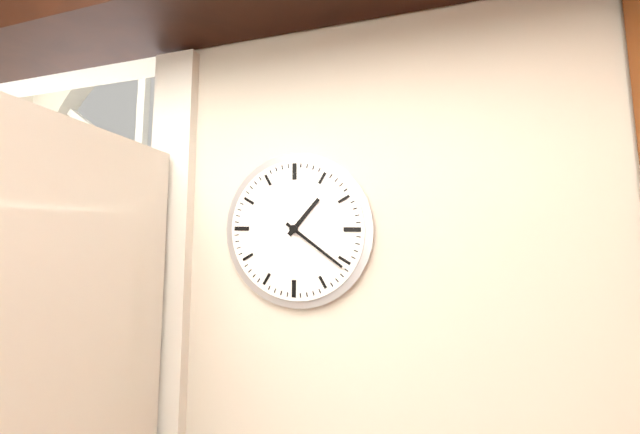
1:21
